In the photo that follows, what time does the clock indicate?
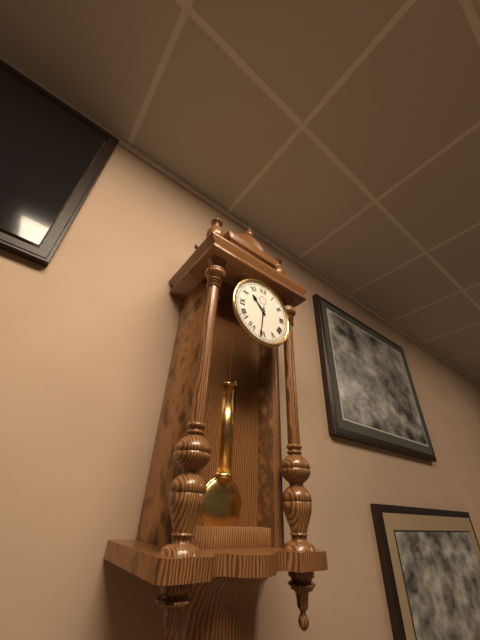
10:31
